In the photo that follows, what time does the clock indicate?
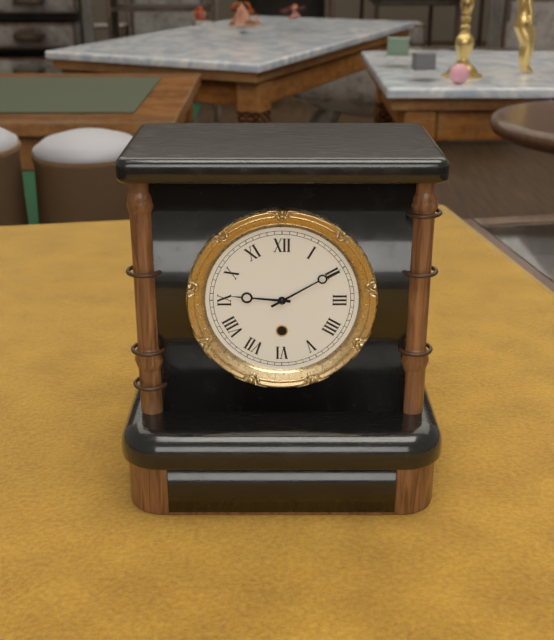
9:10
